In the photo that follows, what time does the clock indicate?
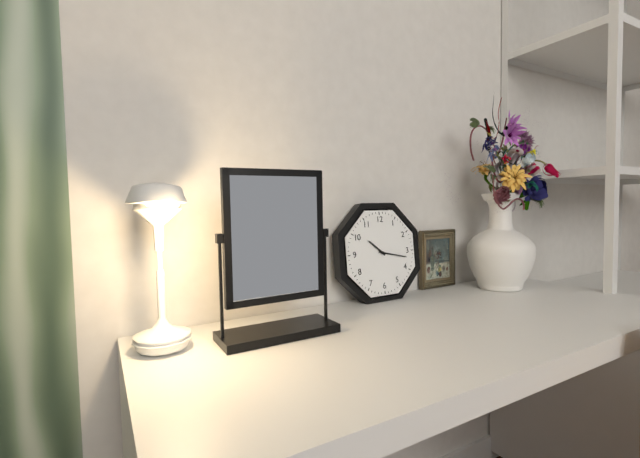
10:17
